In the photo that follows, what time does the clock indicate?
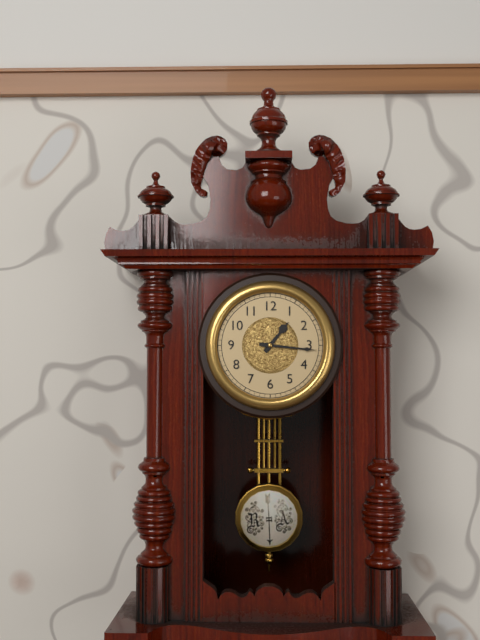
1:16
